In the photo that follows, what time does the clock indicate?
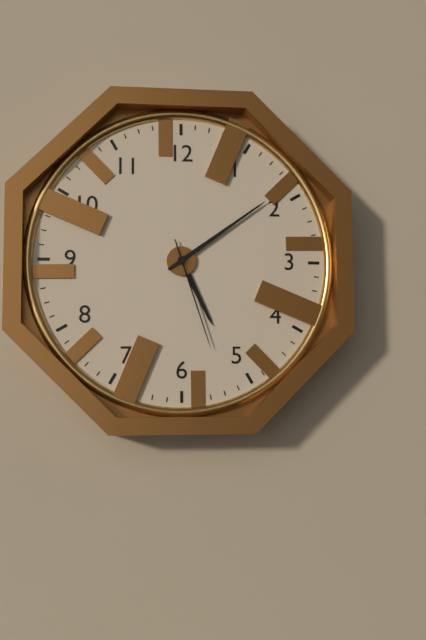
5:09:27
